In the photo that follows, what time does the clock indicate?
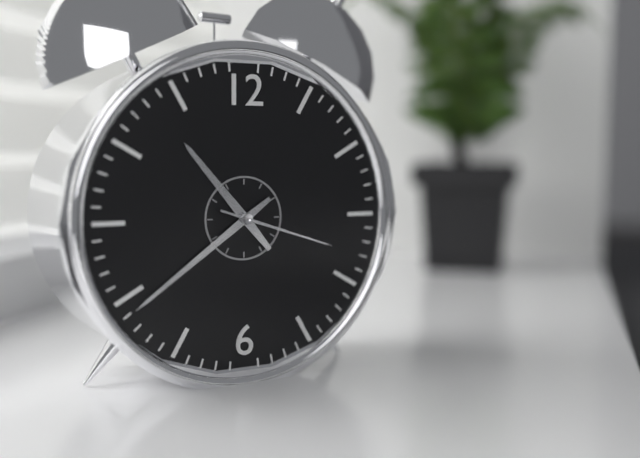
10:39:18
